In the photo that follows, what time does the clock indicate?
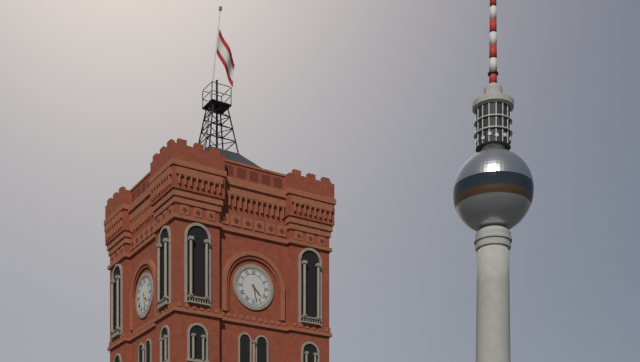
4:28
